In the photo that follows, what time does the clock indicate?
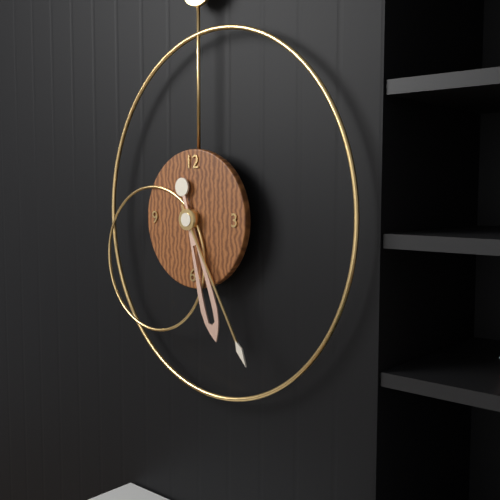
5:25
